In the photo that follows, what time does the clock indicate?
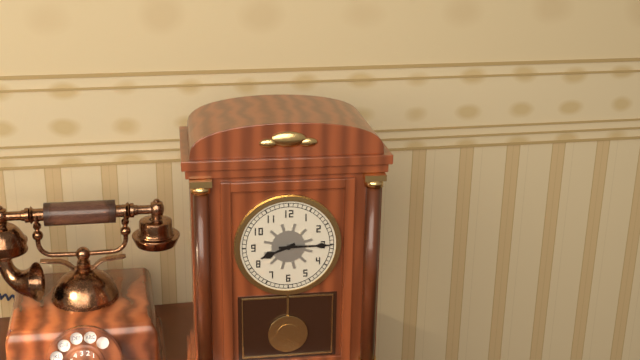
8:15
